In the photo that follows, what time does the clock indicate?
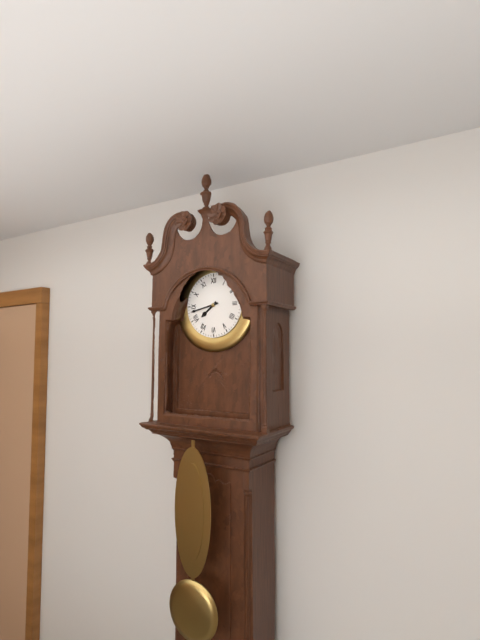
7:43
